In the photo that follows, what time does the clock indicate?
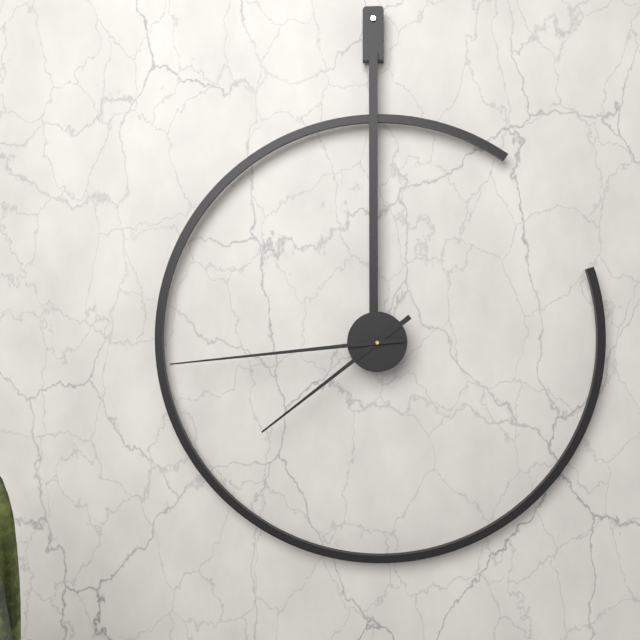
7:44
